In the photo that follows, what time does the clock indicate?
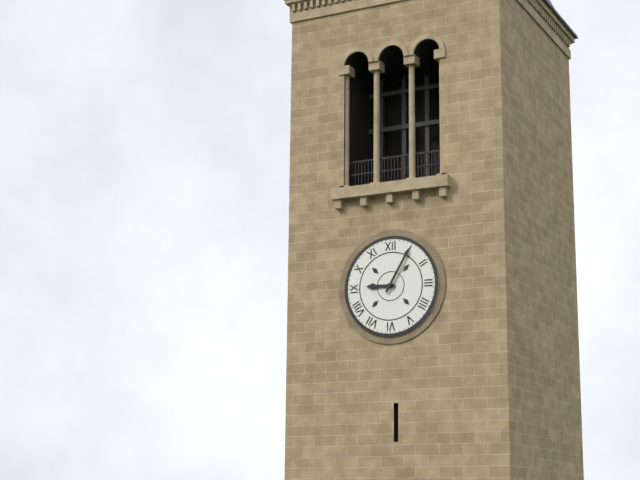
9:05
